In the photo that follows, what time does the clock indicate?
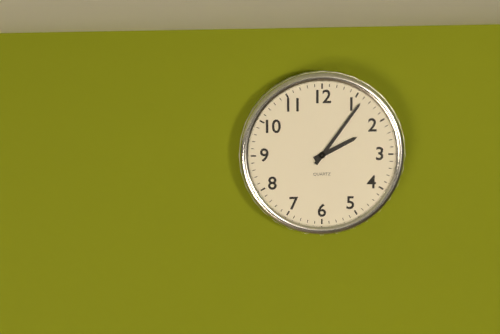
2:06
